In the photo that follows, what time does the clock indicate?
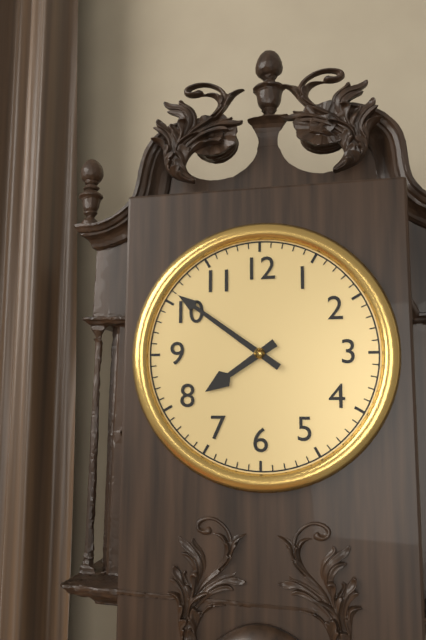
7:51
